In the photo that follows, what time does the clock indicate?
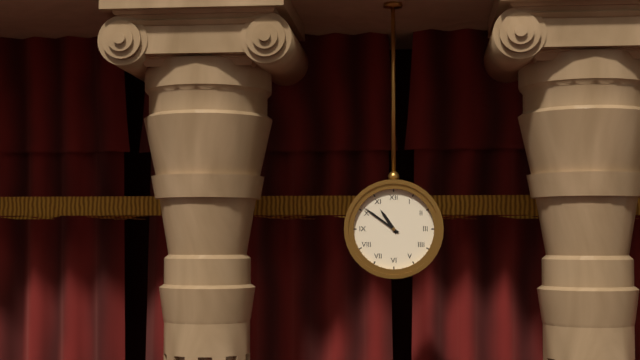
10:51
